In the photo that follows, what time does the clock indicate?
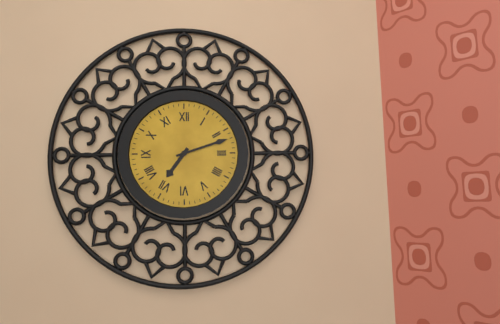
7:12
